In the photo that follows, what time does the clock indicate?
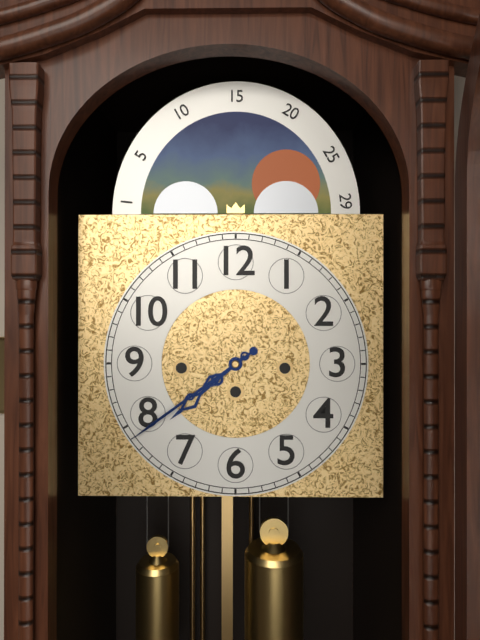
7:39
